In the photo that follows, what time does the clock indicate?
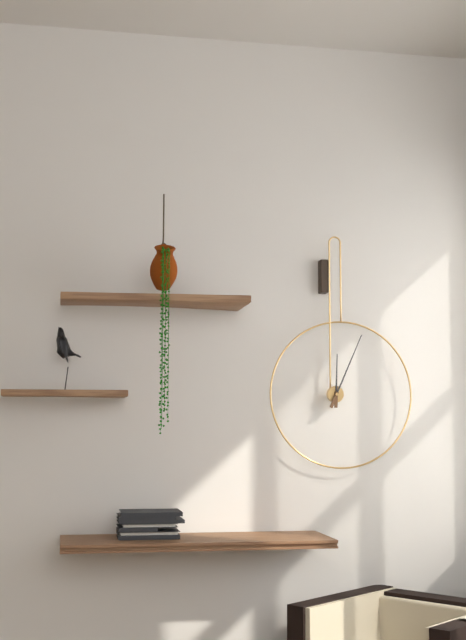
12:04
